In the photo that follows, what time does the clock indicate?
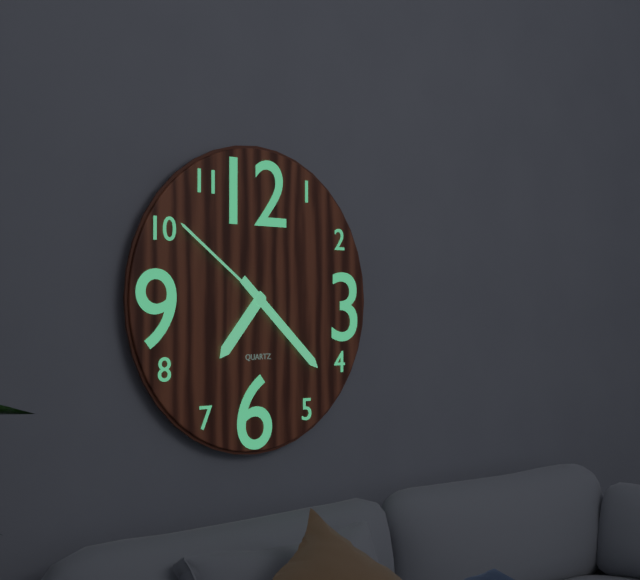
7:22:51
